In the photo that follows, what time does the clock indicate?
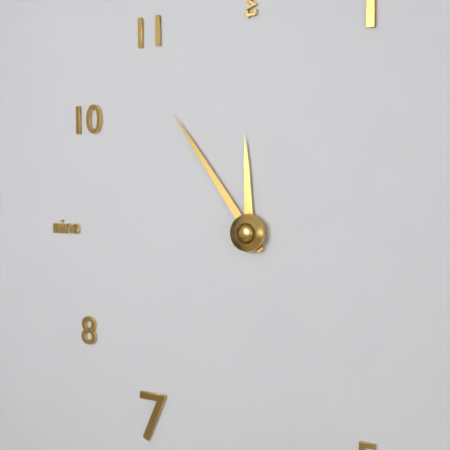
11:54
